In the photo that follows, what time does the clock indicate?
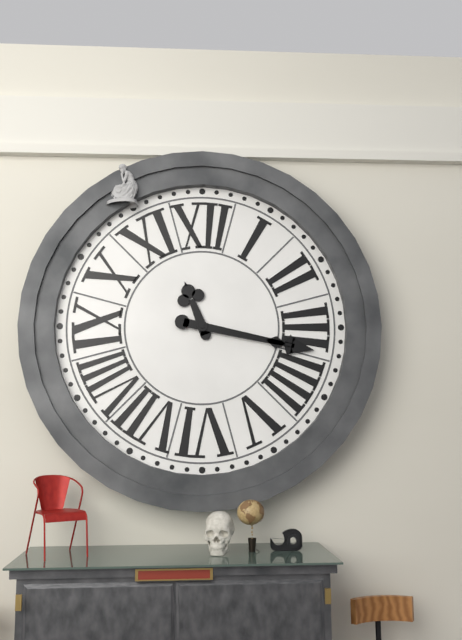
11:17
